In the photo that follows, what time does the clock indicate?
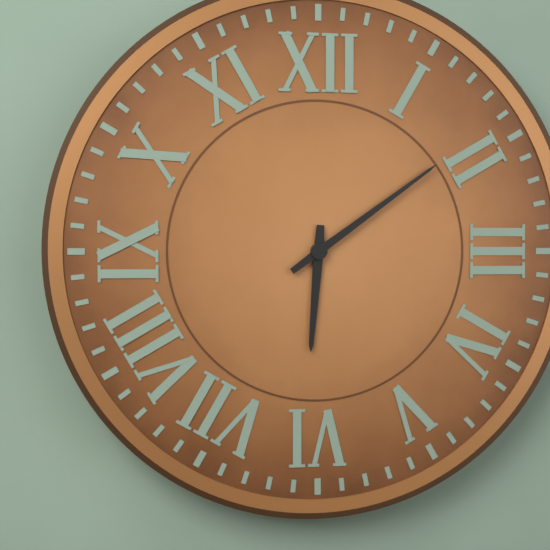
6:09
